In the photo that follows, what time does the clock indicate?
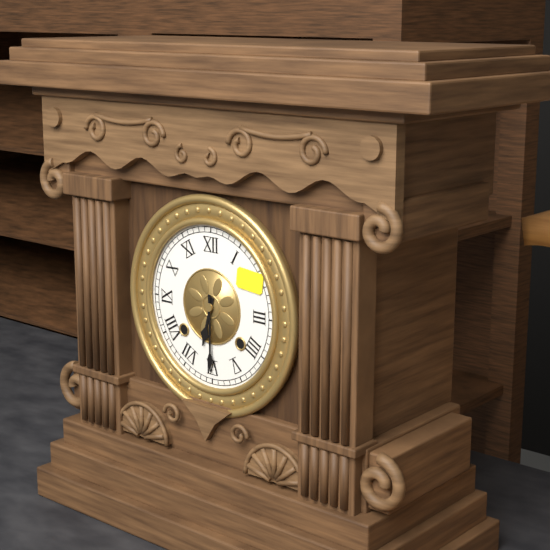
6:30
